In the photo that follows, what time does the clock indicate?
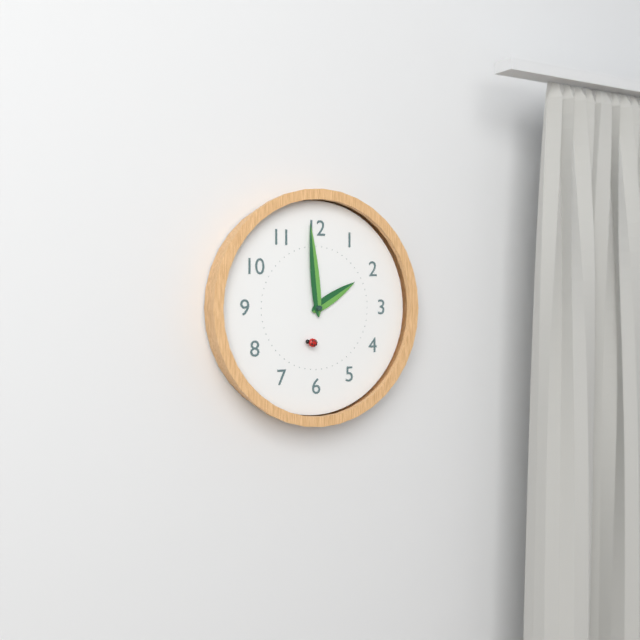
1:59
